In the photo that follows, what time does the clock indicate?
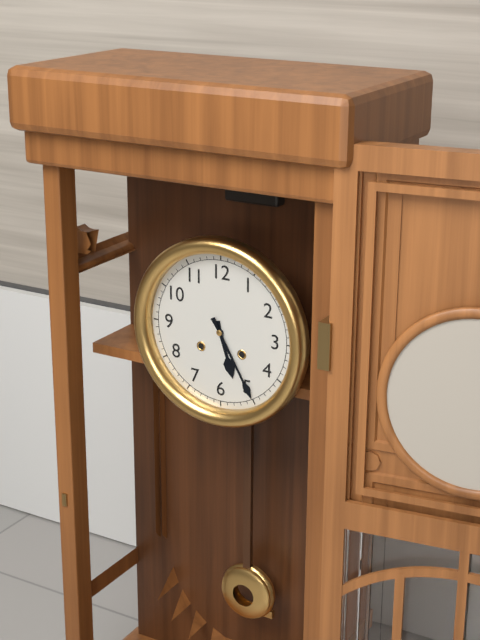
5:25
